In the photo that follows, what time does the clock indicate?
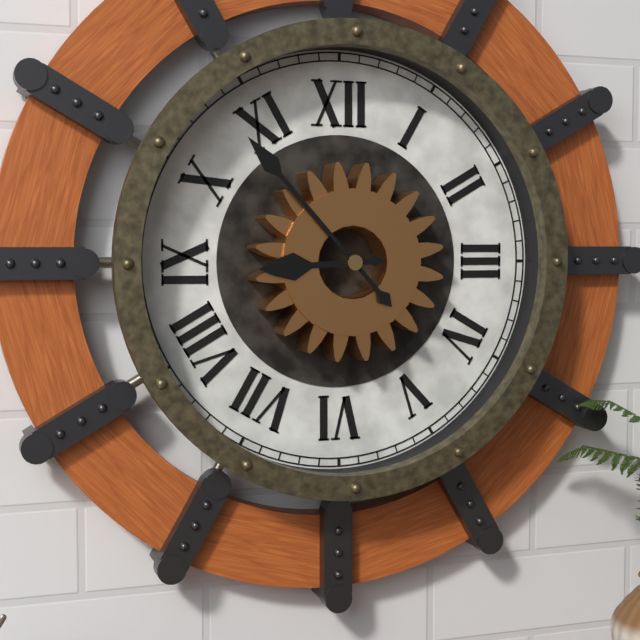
8:53
